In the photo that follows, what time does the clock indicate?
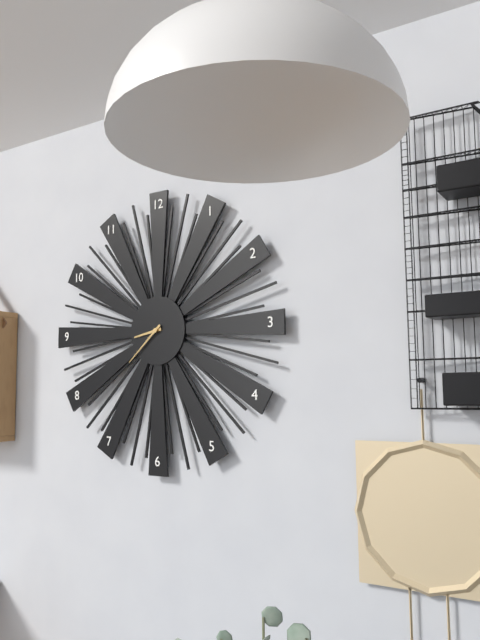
8:38
